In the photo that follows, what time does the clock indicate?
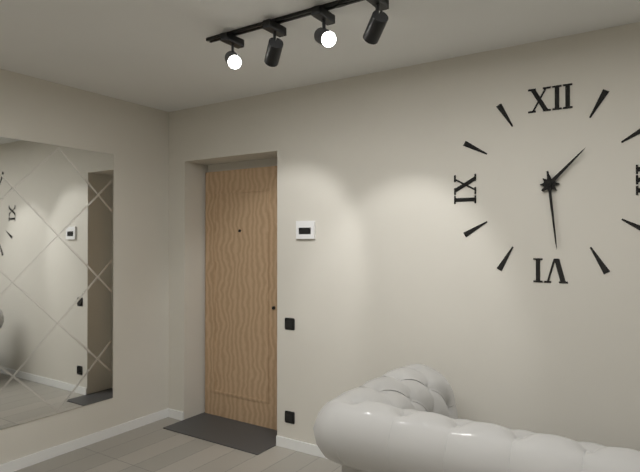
1:29
